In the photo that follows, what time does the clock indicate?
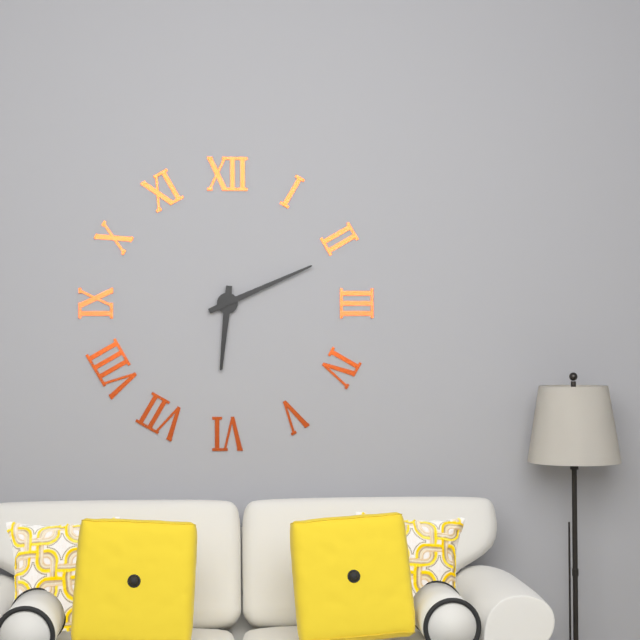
6:11
